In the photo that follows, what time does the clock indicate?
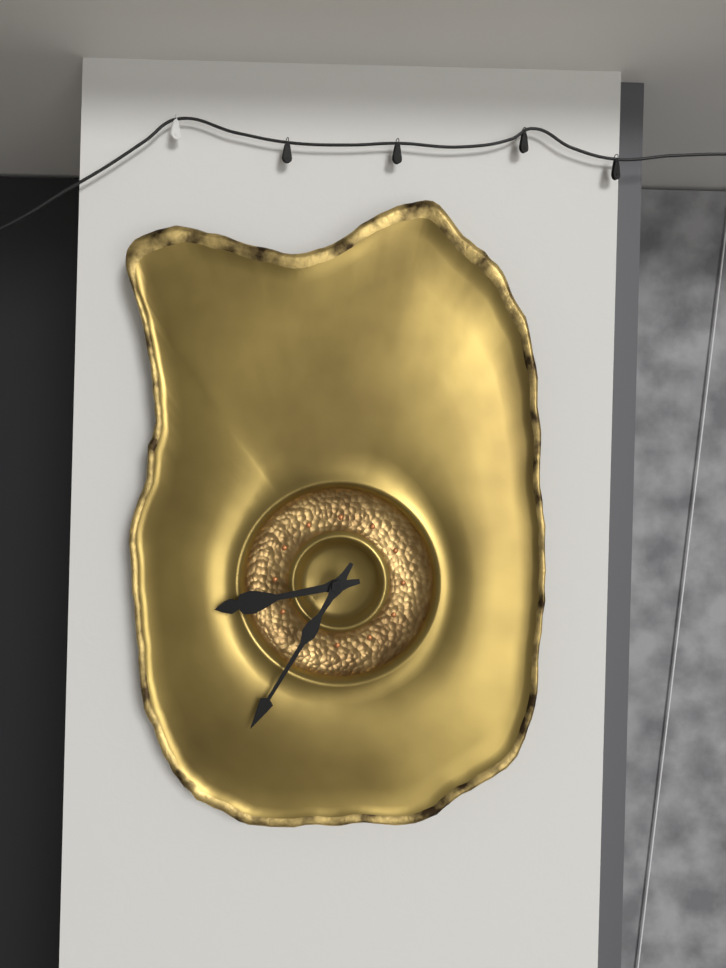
8:35
